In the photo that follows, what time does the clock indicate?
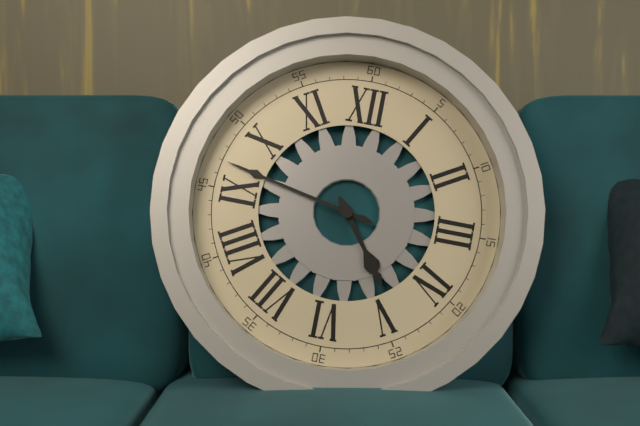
4:47
